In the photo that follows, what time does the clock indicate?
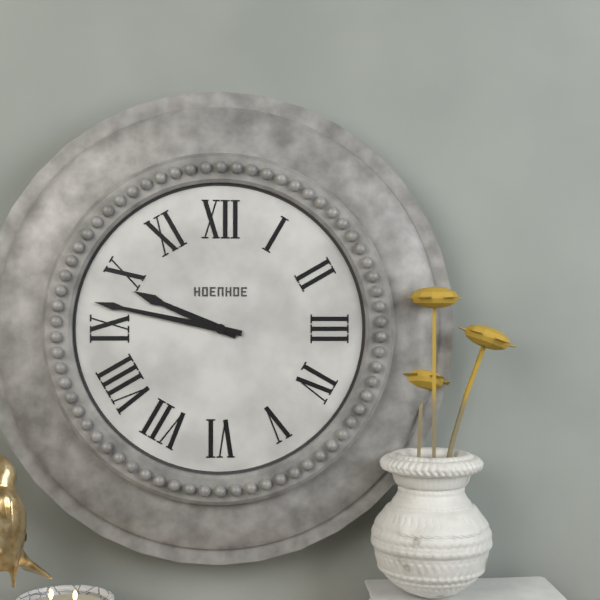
9:47
